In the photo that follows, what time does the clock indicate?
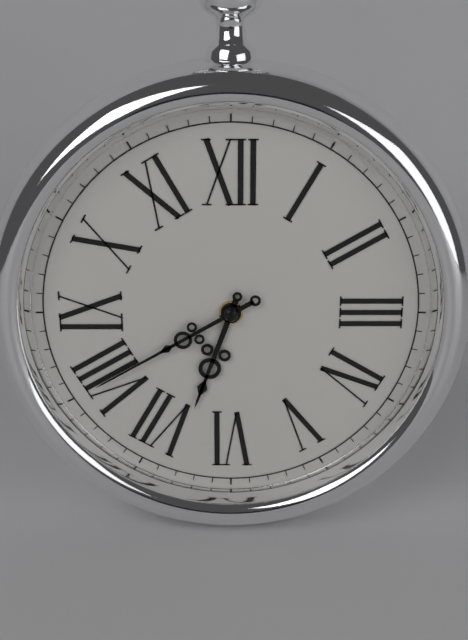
6:40
